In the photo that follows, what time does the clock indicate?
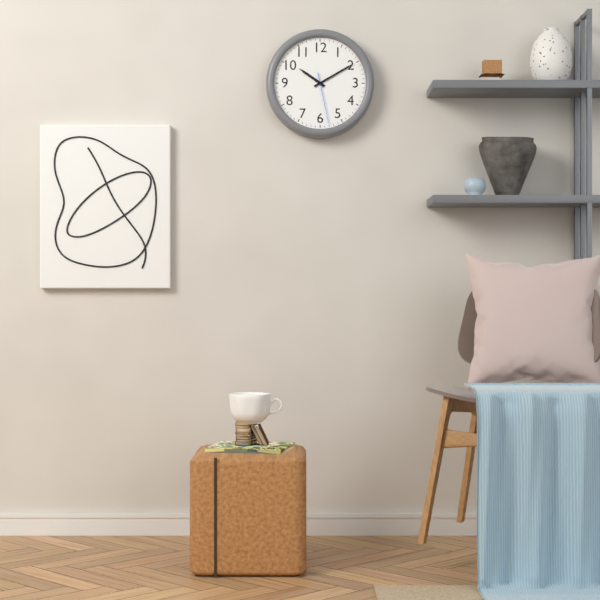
10:10:28
